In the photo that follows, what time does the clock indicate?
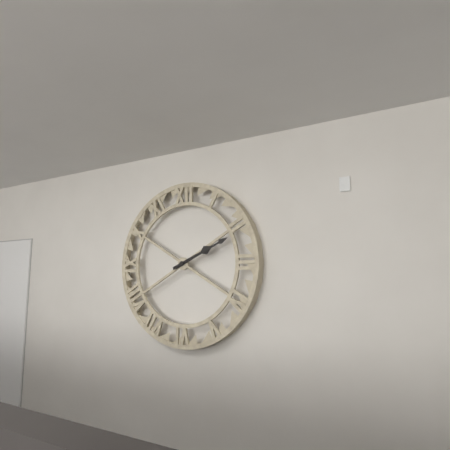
2:11
